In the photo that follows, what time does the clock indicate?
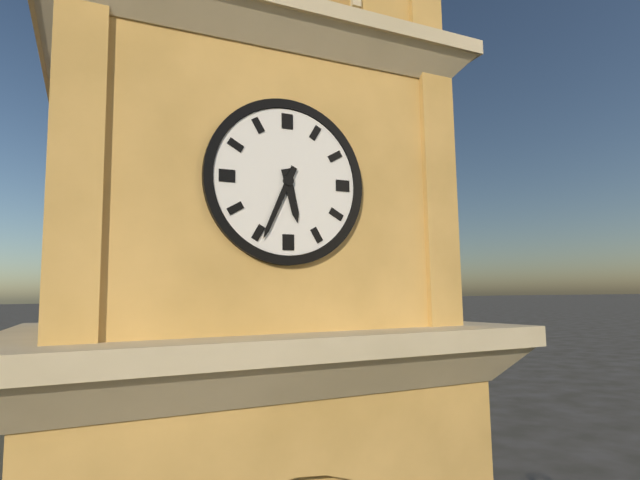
5:34
